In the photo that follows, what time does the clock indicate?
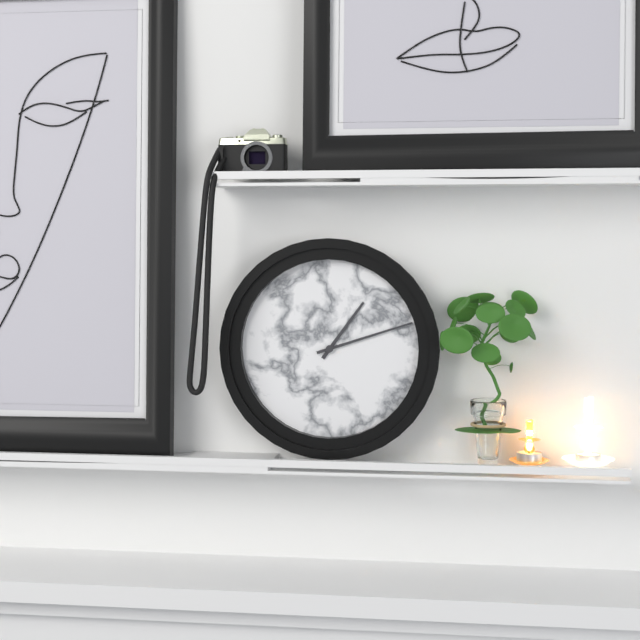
1:12
